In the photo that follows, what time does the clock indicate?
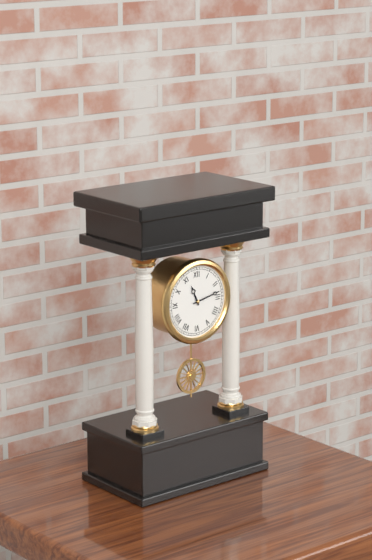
11:13
